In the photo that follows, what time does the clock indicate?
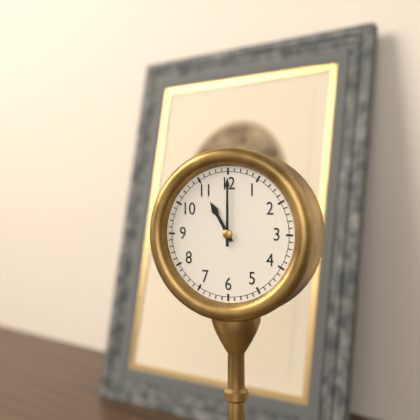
11:00
